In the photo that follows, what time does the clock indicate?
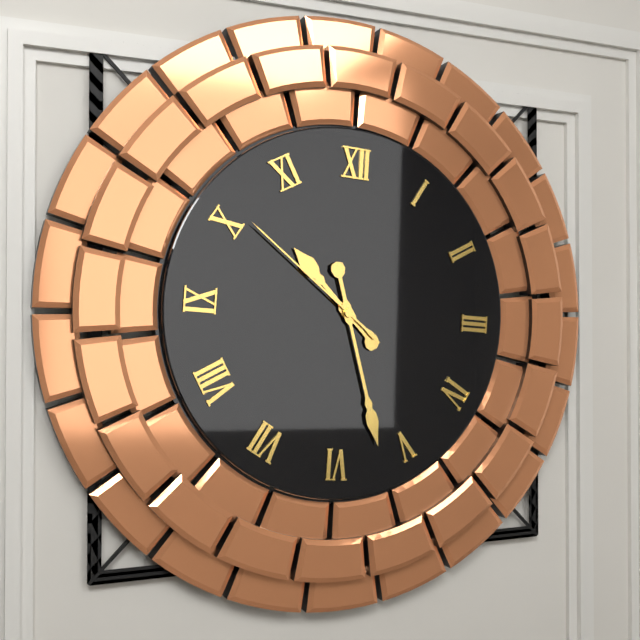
10:27:51
